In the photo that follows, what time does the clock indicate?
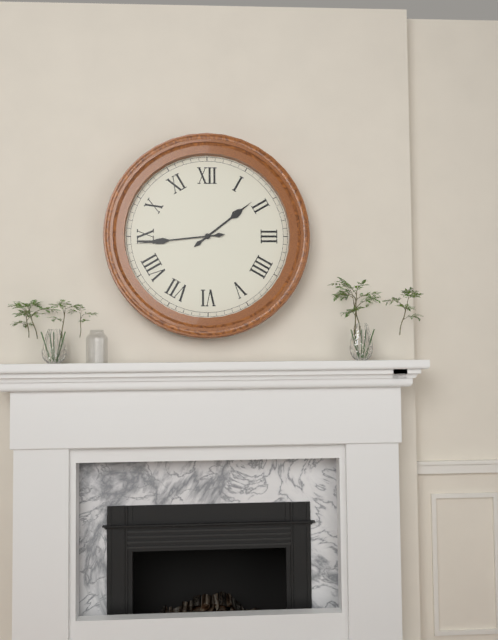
1:44
